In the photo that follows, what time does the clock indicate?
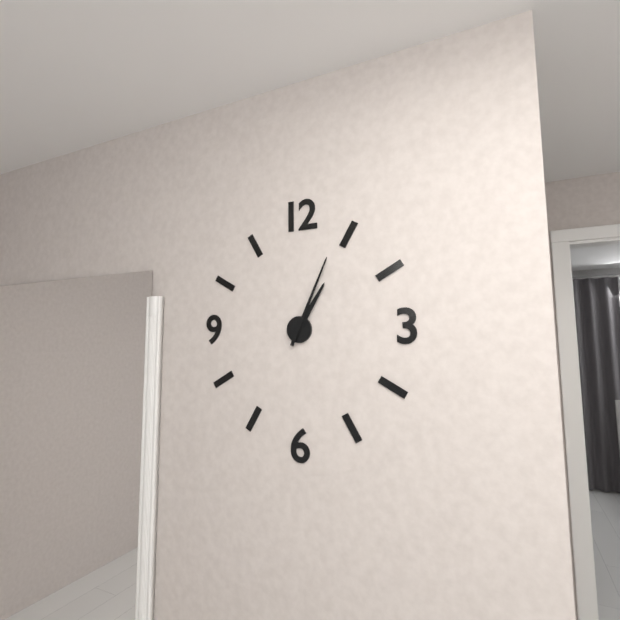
1:04
